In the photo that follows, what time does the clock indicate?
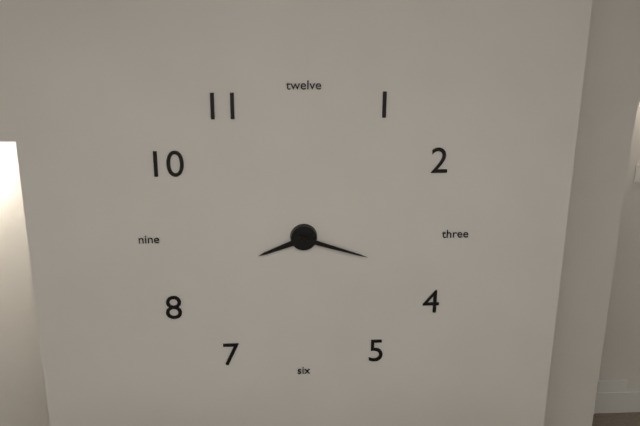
8:18
